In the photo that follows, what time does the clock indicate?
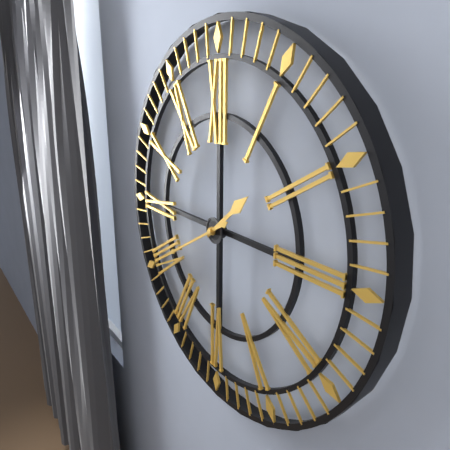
1:40
